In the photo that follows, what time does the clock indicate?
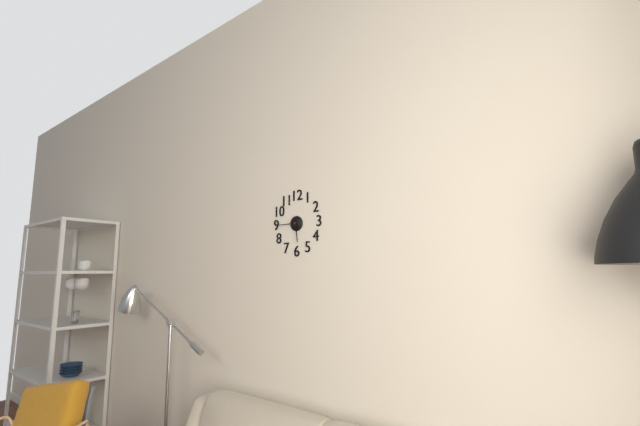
5:45
